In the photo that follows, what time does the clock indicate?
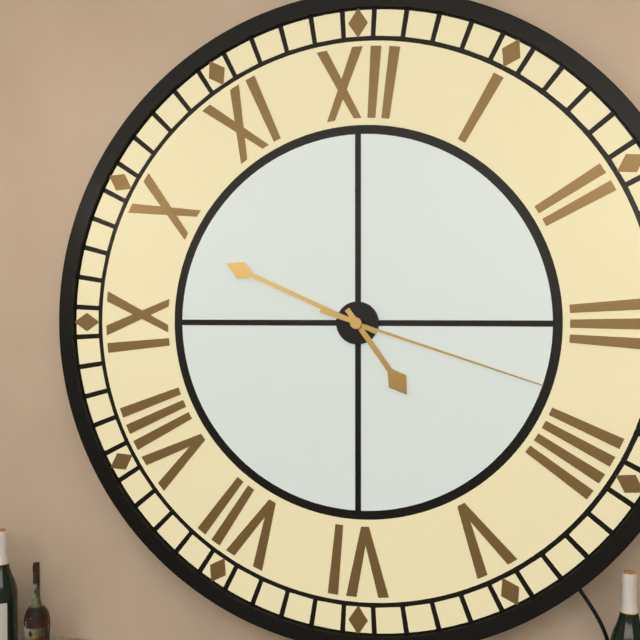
4:49:18
